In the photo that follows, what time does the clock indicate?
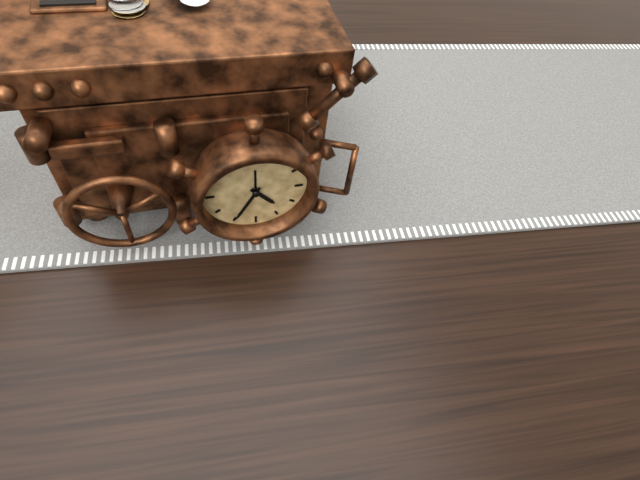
4:35
